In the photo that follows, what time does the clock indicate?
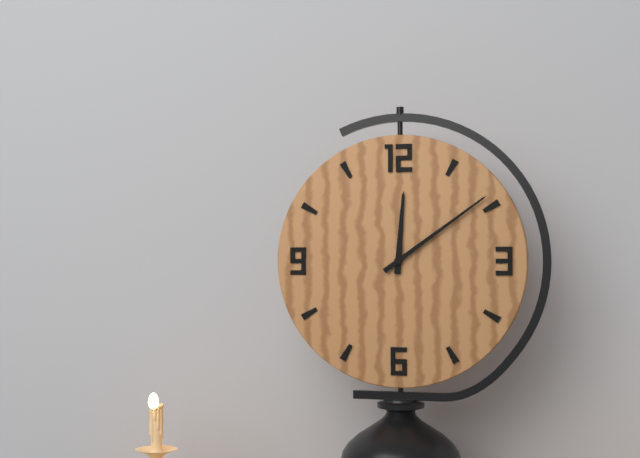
12:09
